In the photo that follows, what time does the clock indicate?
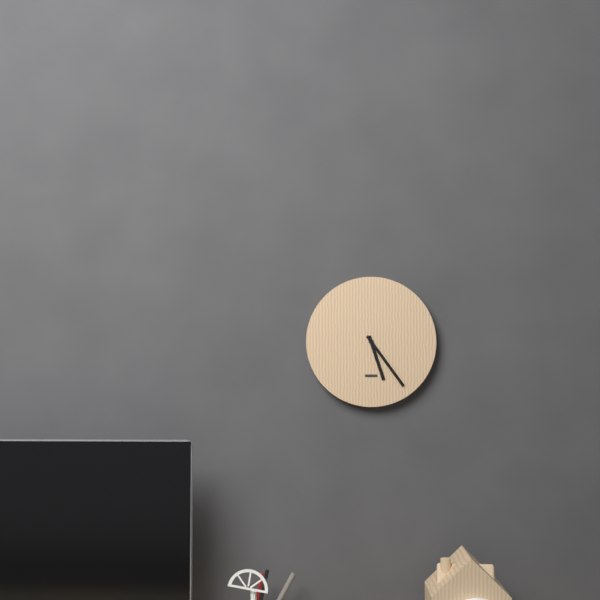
5:24
